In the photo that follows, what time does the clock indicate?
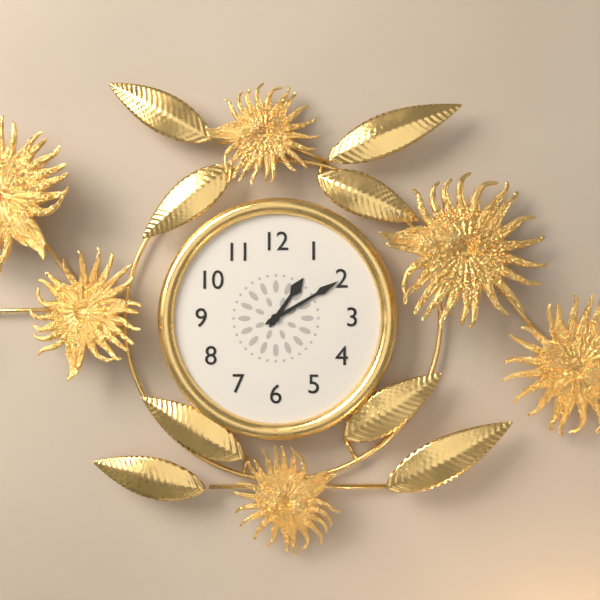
1:10
